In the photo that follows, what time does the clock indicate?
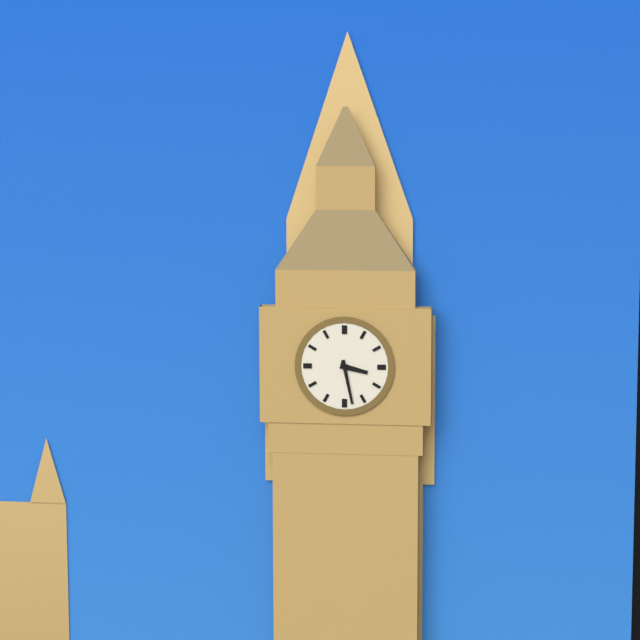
3:28
